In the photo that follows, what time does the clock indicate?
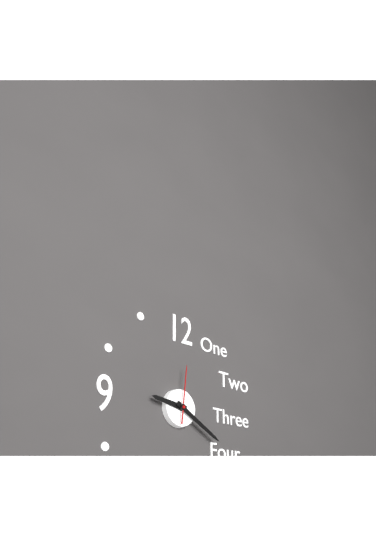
9:20:01
